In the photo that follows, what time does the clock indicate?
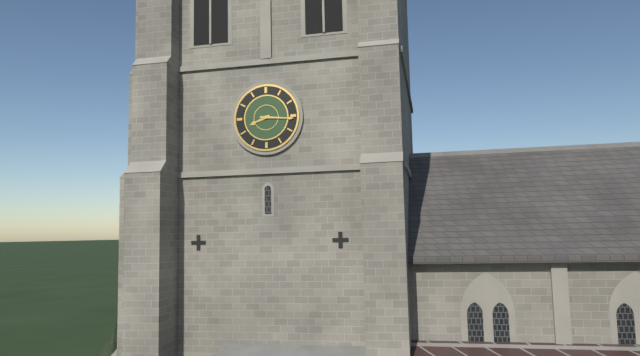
8:16
